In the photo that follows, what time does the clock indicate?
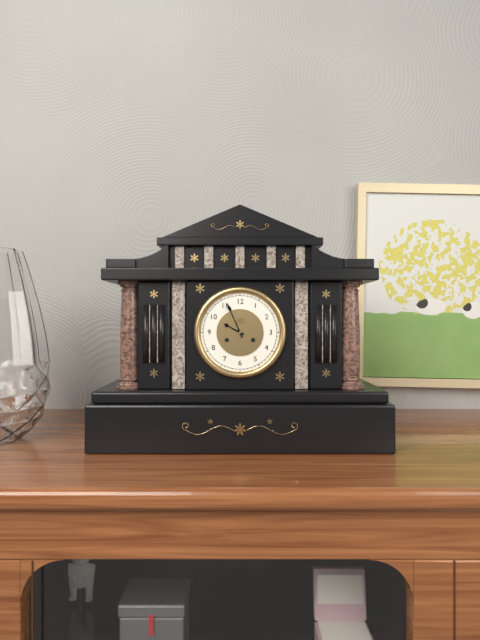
9:56
